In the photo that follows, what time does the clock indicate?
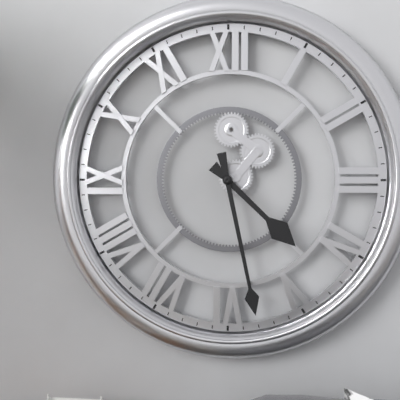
4:28
